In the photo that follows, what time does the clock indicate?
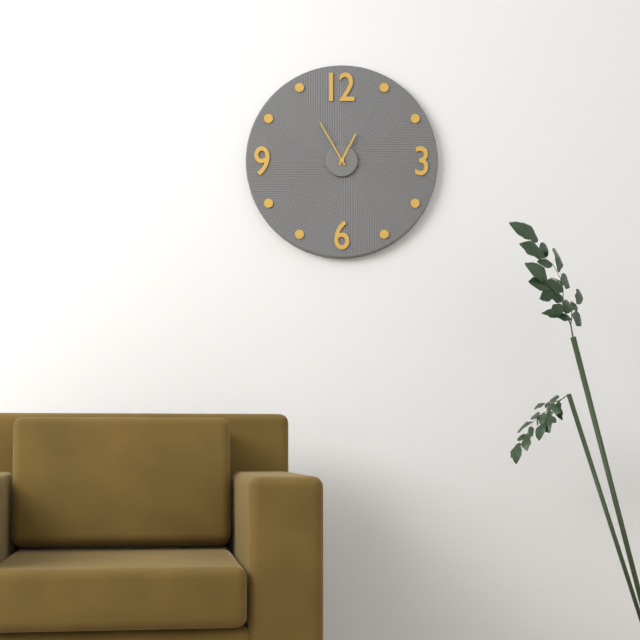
12:55
